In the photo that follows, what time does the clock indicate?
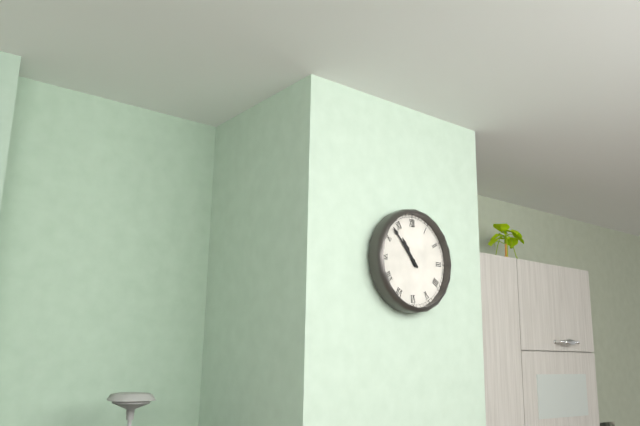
10:53
